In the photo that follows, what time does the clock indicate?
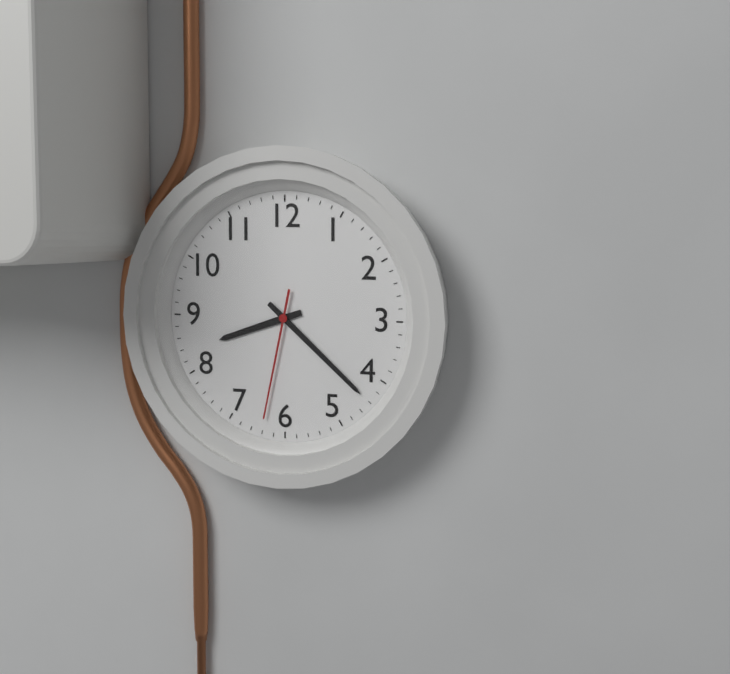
8:22:32
